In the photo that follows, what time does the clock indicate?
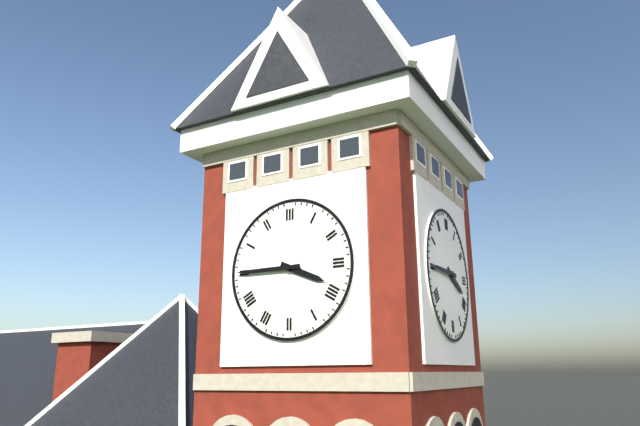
3:45
